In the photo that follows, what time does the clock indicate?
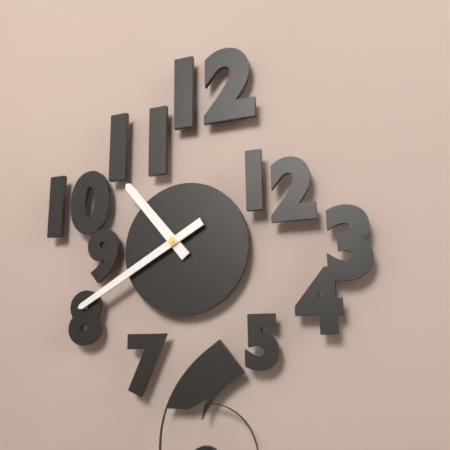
10:40
